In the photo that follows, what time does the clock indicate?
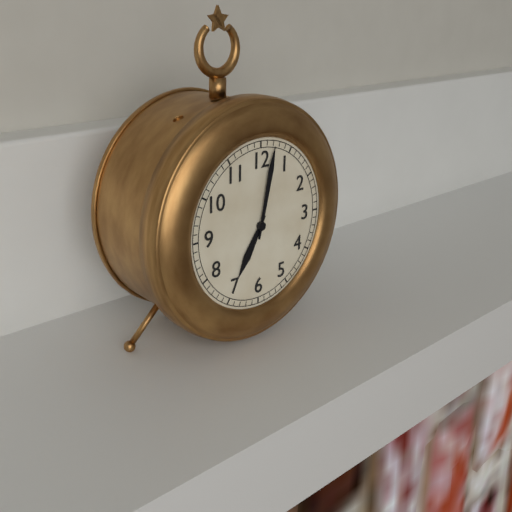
7:02
